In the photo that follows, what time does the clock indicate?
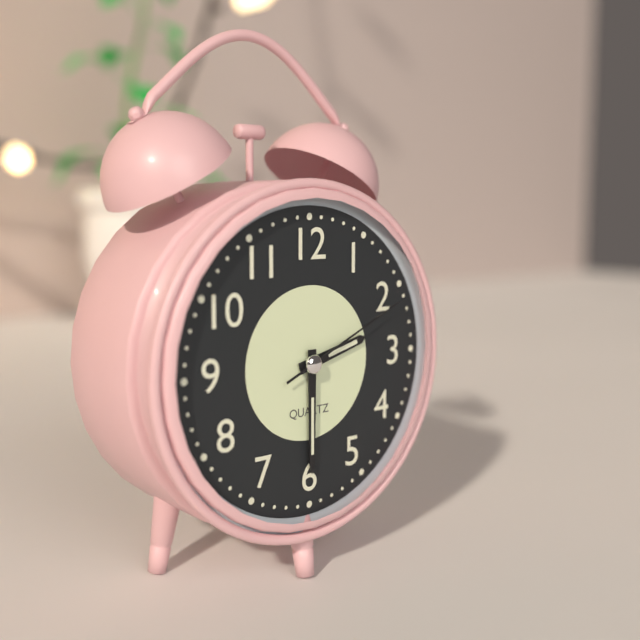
2:30:11
